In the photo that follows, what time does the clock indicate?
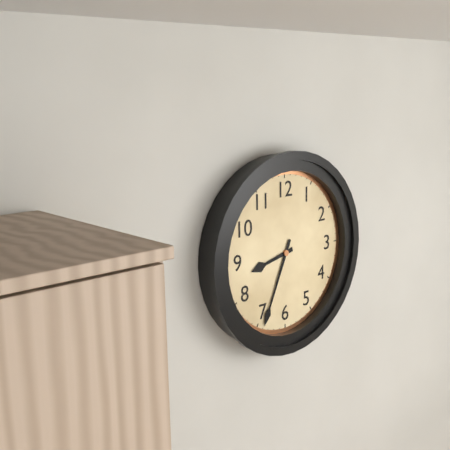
8:34
